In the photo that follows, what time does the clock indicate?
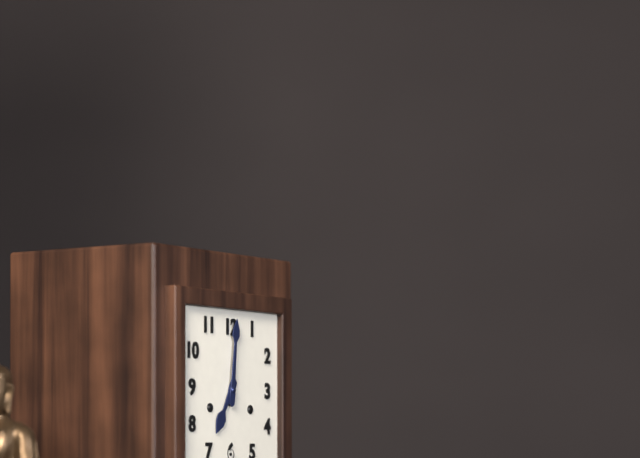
7:01
